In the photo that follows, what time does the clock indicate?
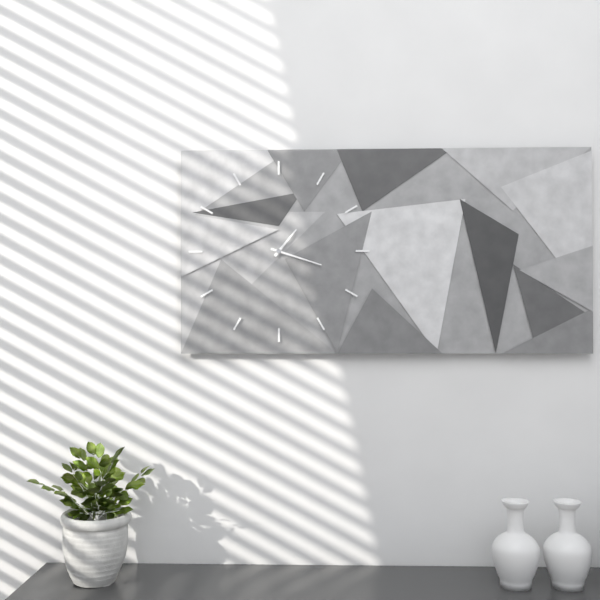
1:18
